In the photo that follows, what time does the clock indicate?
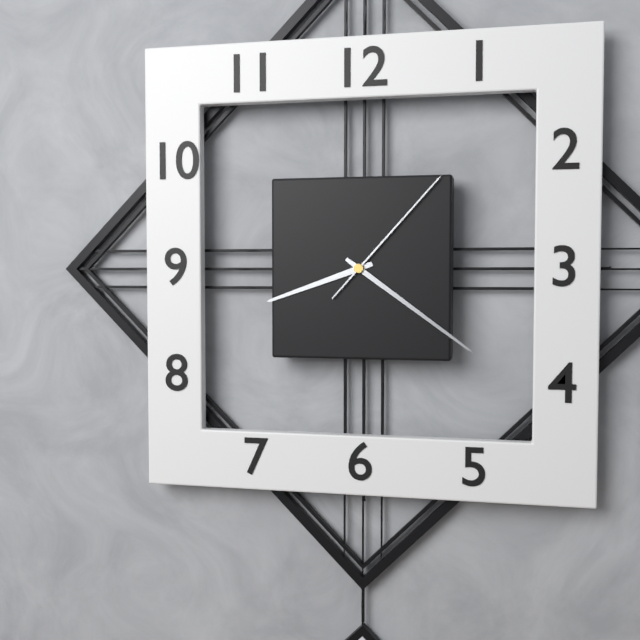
8:21:07
